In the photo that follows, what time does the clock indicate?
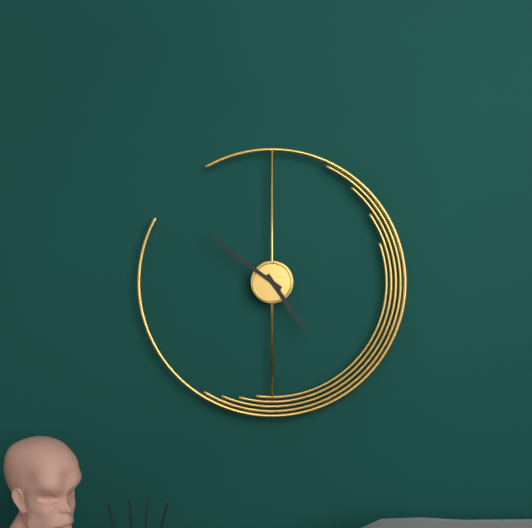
4:51
